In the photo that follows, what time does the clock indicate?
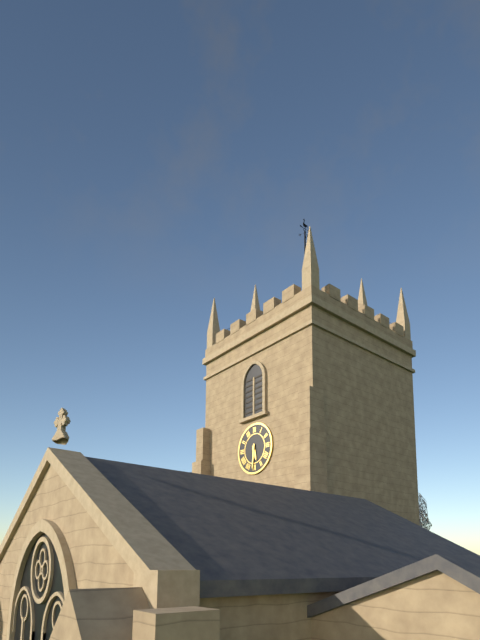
5:31
